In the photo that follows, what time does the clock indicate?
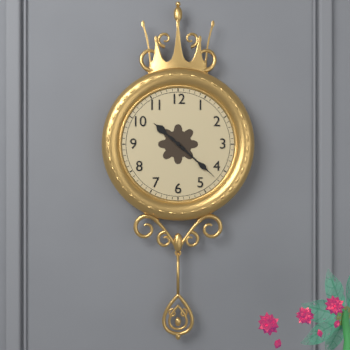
10:22
